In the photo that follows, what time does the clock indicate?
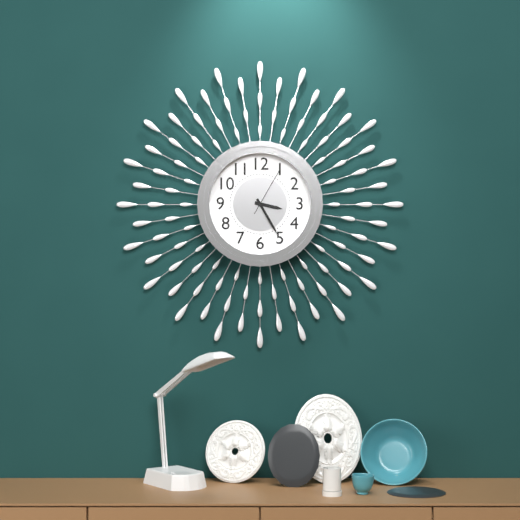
3:25
